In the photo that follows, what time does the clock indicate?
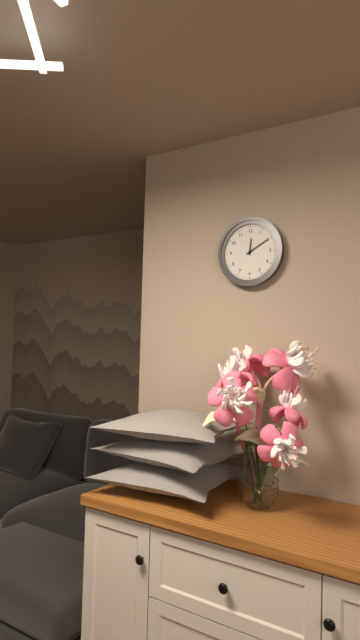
12:10
